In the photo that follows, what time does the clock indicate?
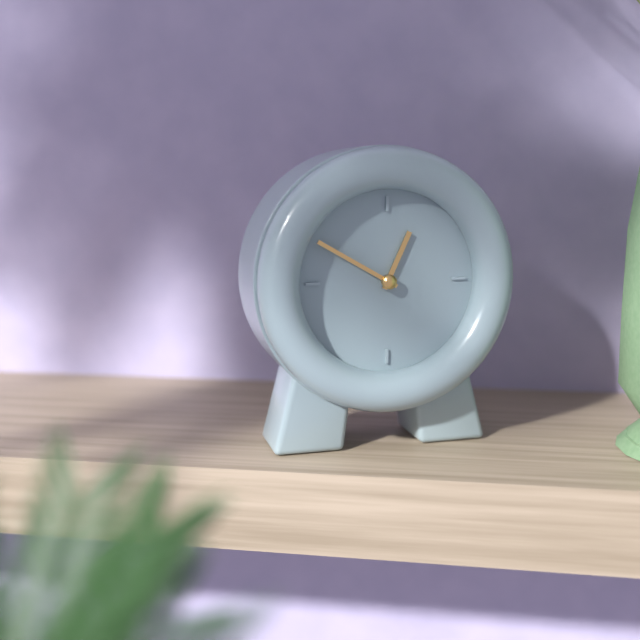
12:50
